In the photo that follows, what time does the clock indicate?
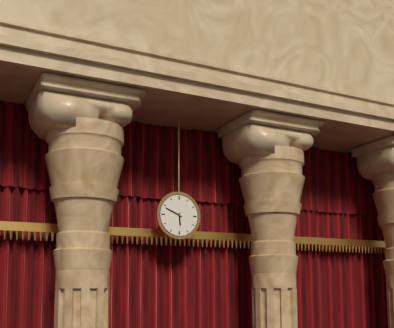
5:49
